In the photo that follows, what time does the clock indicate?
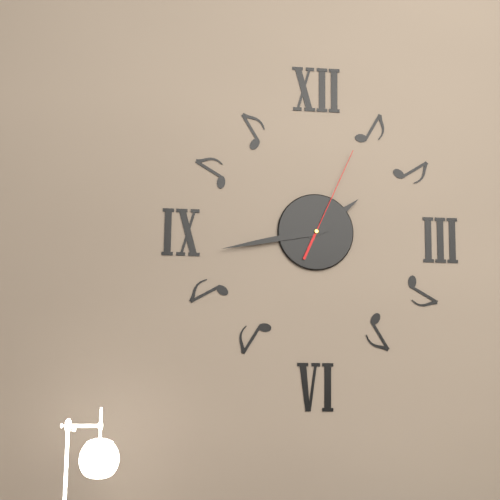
1:43:04
